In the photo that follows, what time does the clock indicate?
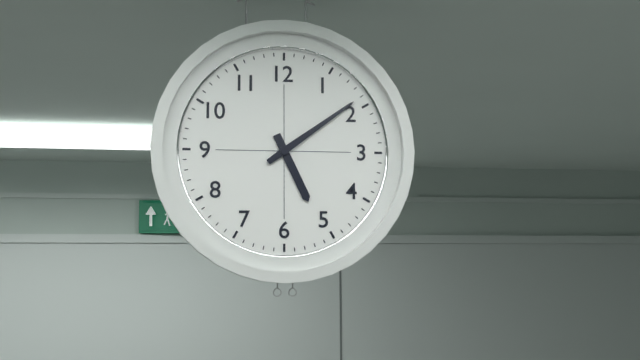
5:09
